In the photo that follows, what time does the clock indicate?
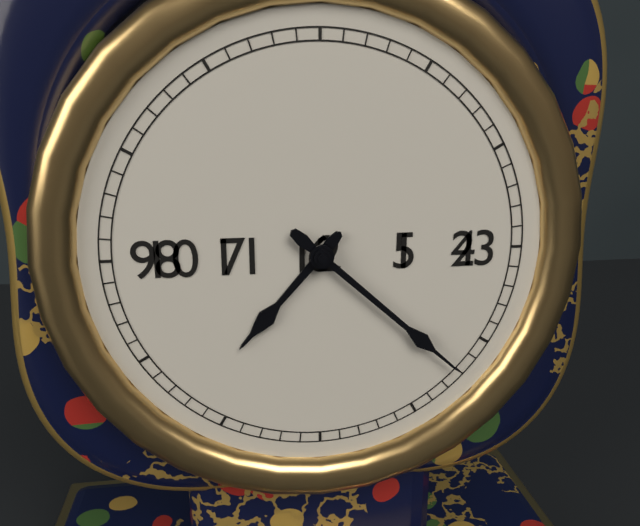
7:22
